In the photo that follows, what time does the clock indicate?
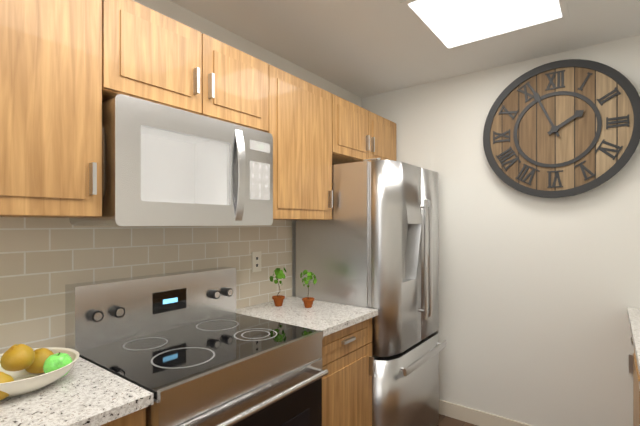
1:56
